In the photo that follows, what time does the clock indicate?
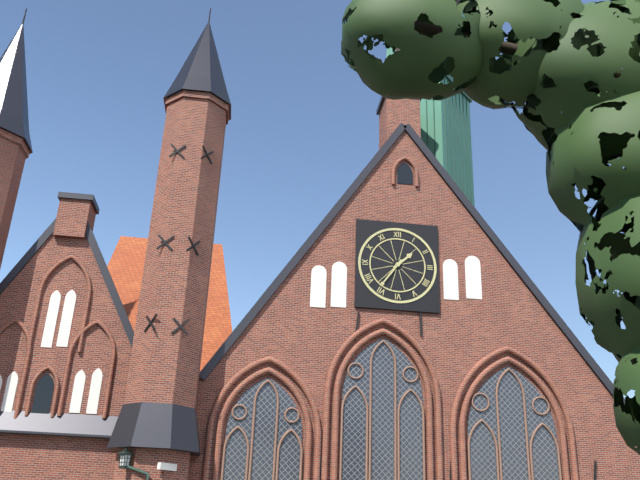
1:36
